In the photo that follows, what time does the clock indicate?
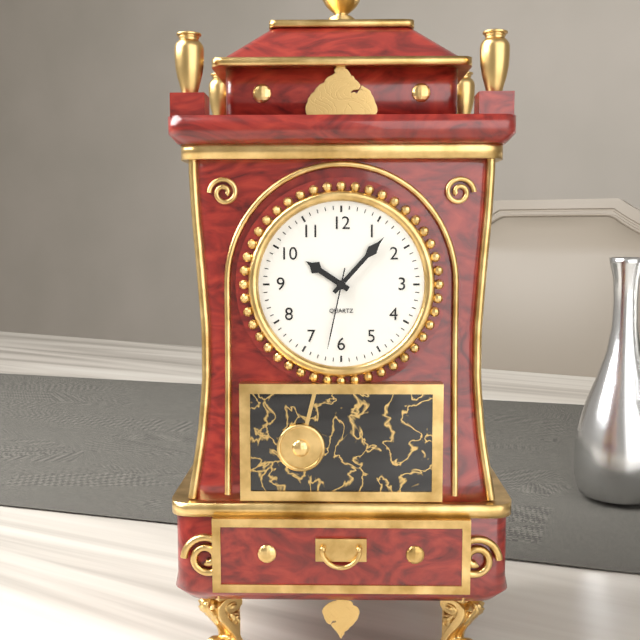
10:07:32
